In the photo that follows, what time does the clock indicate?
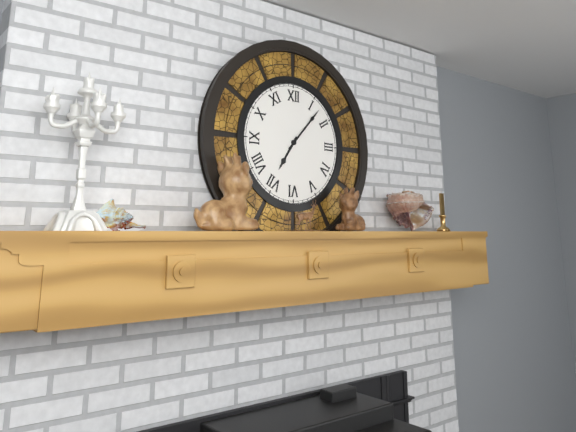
7:07
